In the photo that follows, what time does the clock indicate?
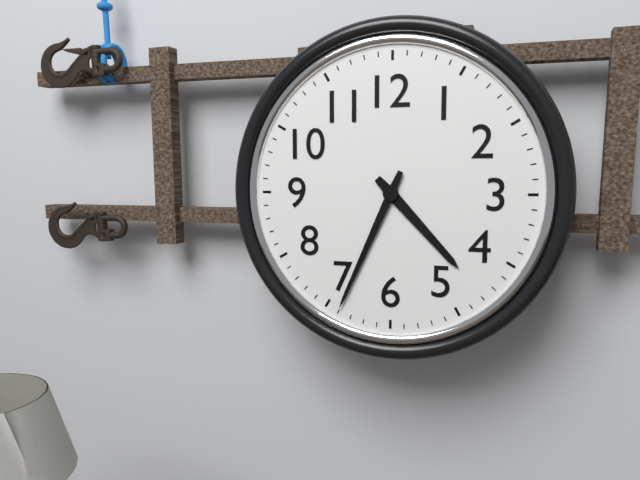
4:34
